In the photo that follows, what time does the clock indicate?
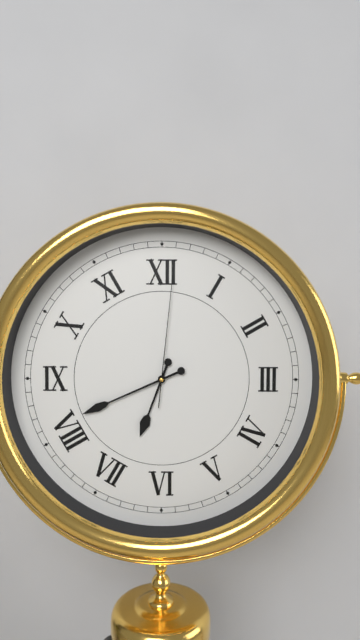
6:41:01
